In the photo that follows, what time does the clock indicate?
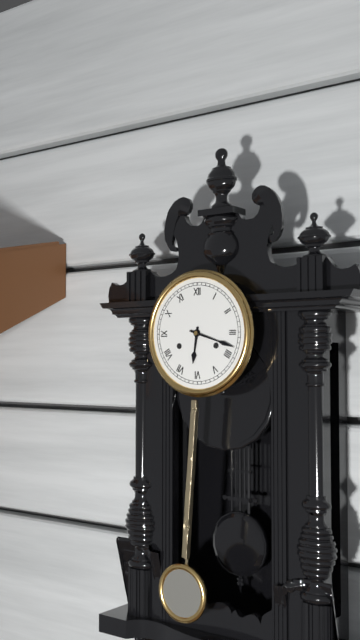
6:18
